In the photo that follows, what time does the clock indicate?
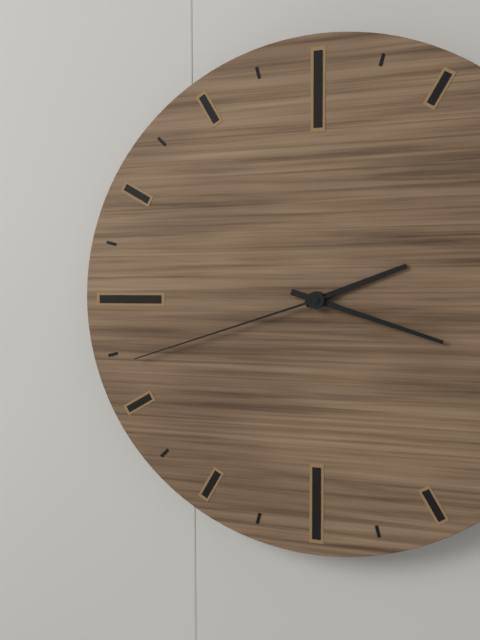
2:18:42
